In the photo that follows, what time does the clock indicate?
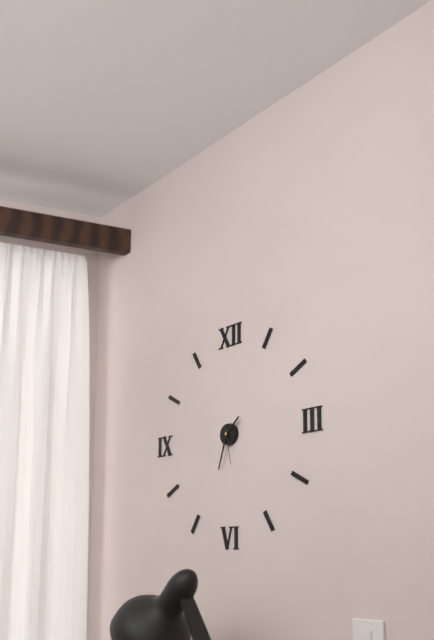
1:33
